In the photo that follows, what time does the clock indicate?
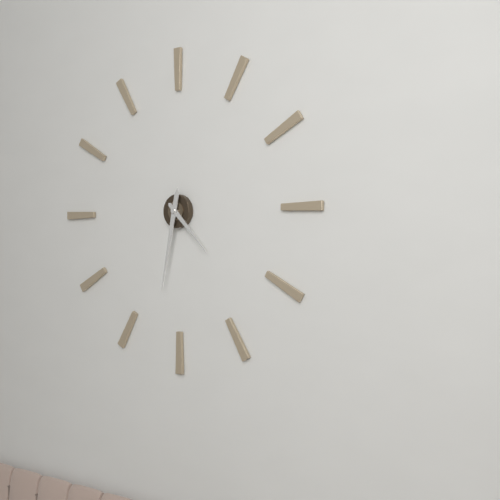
4:32
